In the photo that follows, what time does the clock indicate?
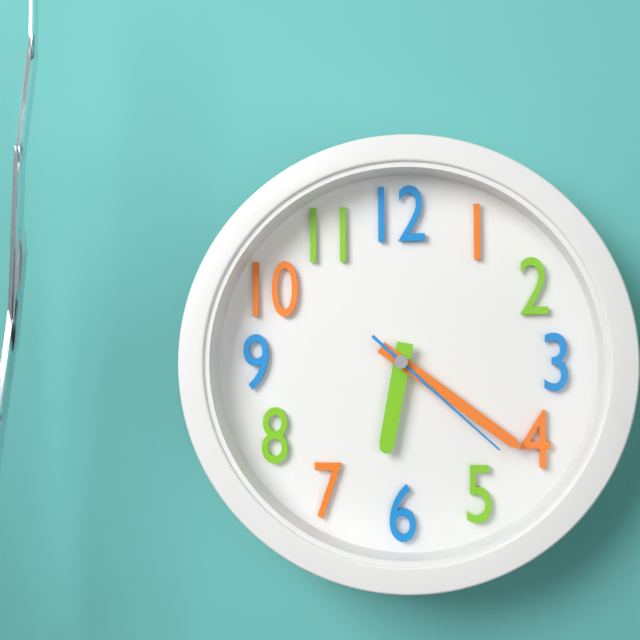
6:21:22
